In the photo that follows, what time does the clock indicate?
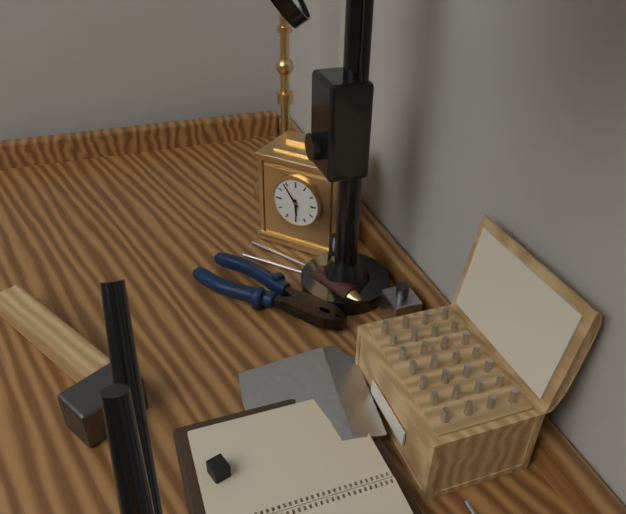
5:54
